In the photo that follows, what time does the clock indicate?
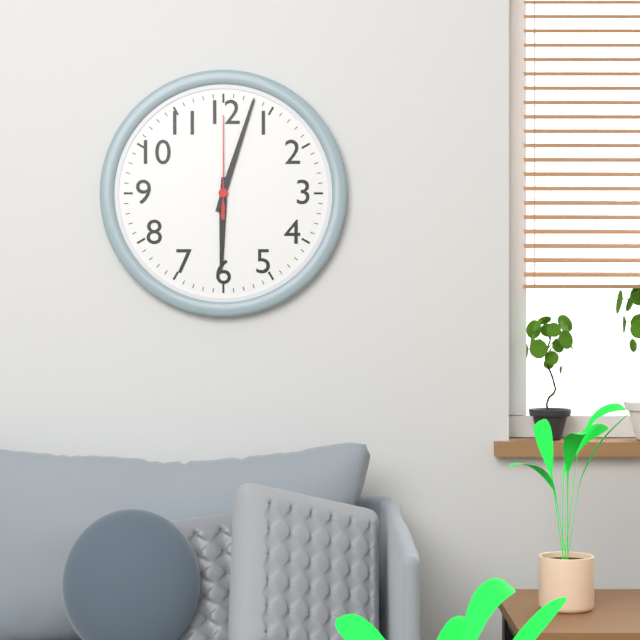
6:03:00
